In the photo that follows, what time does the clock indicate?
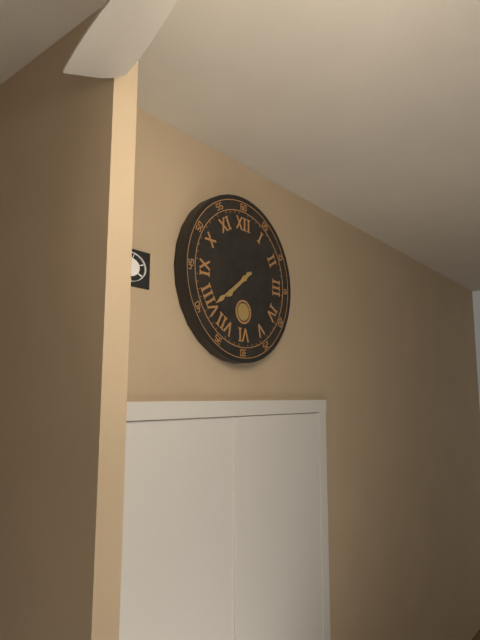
7:39
